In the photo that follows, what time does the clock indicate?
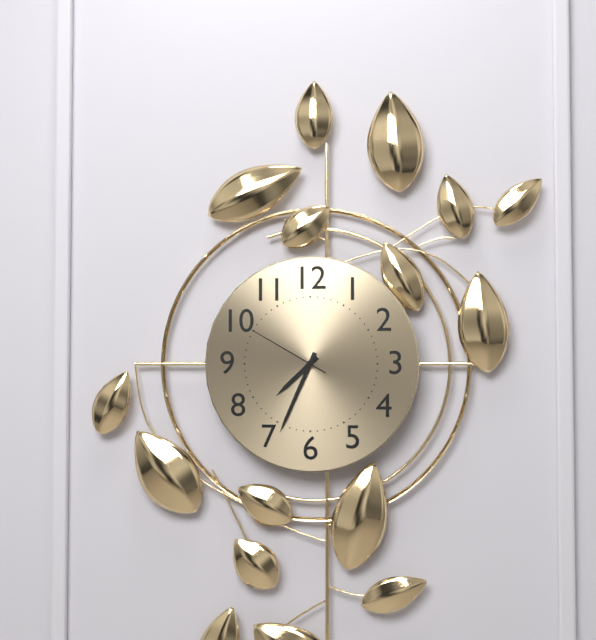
7:34:50
